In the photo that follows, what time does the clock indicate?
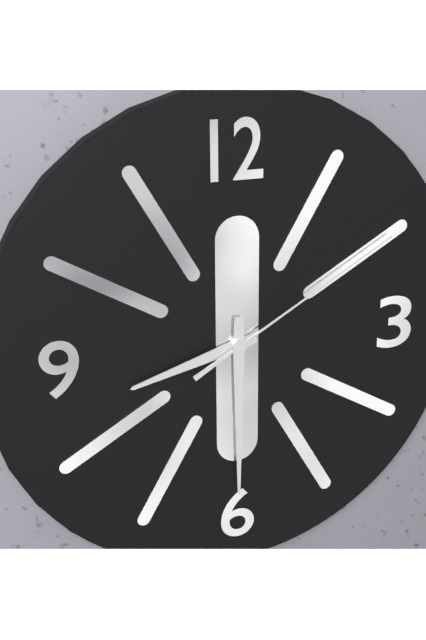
8:30:10
